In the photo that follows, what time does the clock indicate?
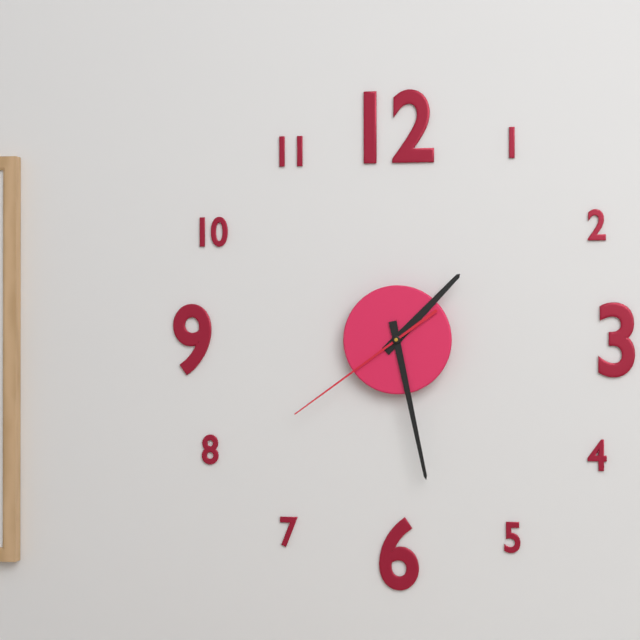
1:28:39
